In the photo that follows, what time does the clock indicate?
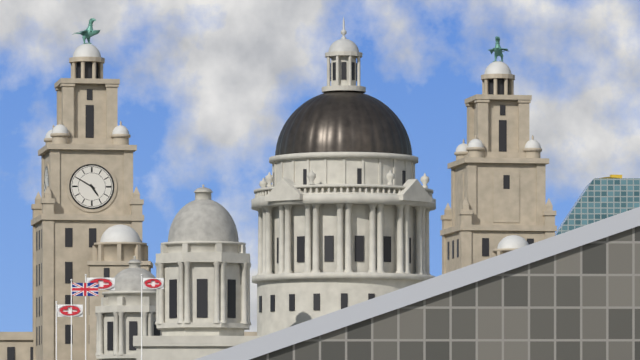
4:50
